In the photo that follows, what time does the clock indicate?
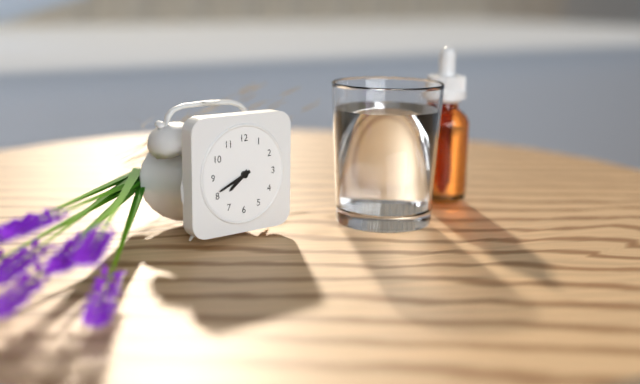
7:41
